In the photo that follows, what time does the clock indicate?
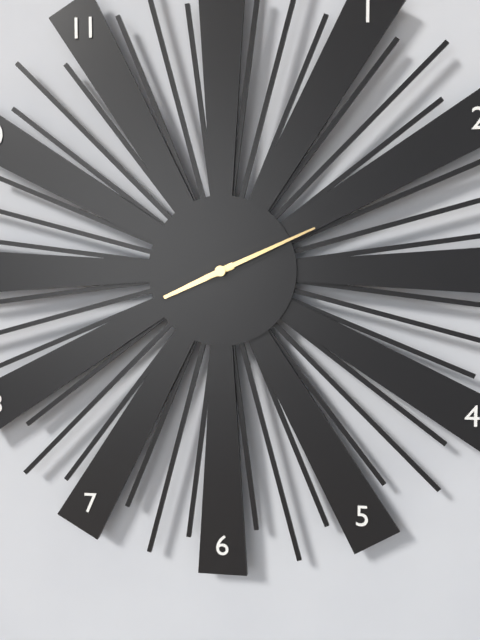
8:11
